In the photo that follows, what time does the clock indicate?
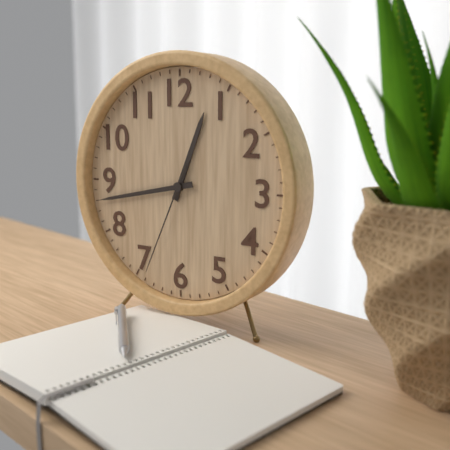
12:43:34
